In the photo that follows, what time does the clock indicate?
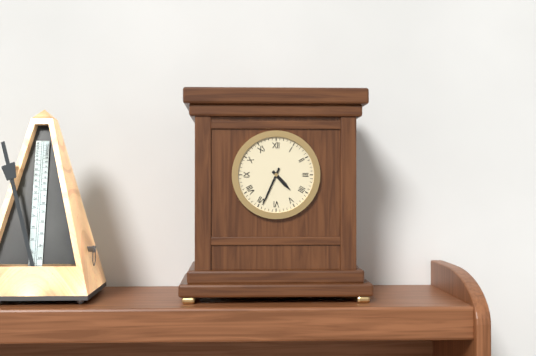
4:34
